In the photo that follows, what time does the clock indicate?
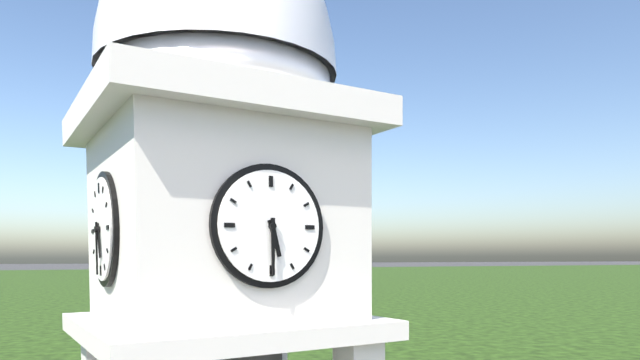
5:30
